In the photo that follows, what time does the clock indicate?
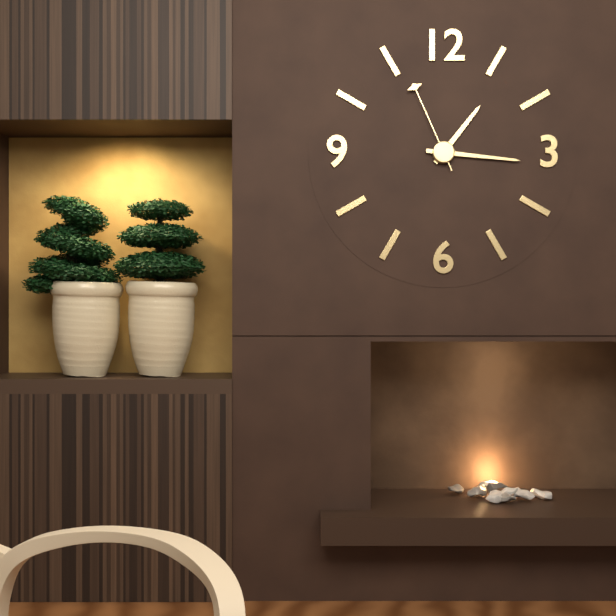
1:16:56
